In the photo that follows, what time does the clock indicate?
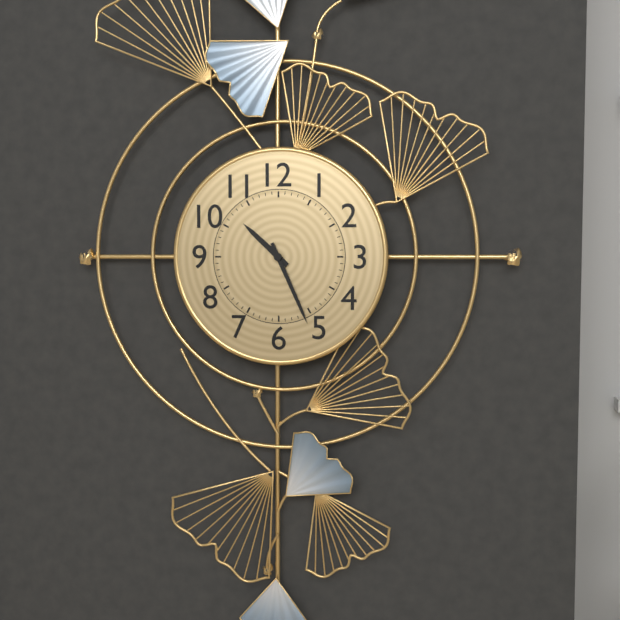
10:26
